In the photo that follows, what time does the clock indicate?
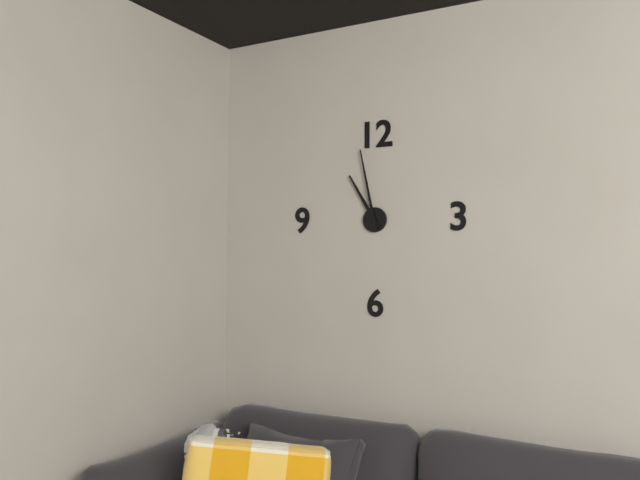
10:58
